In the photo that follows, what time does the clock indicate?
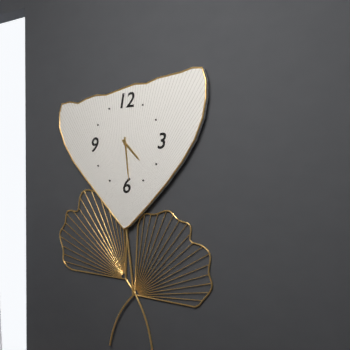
4:29
